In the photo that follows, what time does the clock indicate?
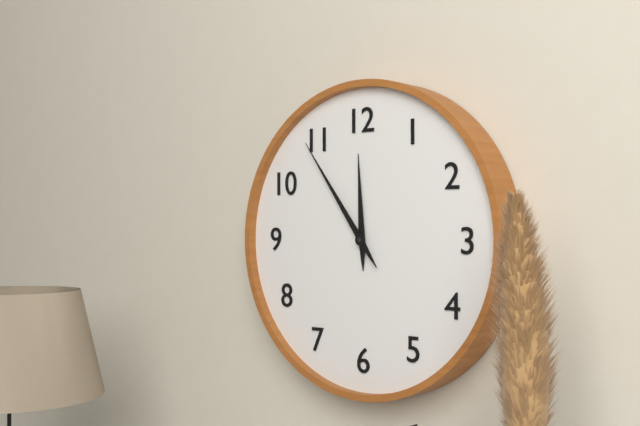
11:54
